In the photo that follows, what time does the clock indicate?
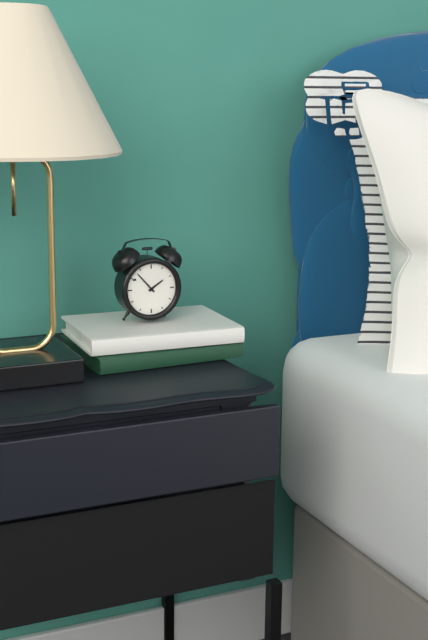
1:53
